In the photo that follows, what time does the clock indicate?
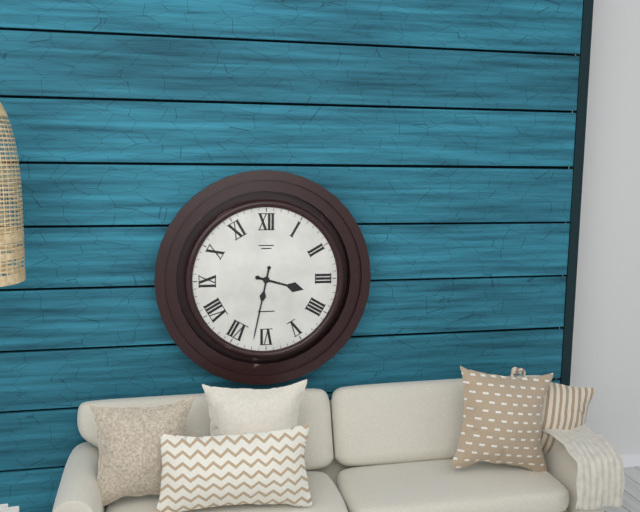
3:32
